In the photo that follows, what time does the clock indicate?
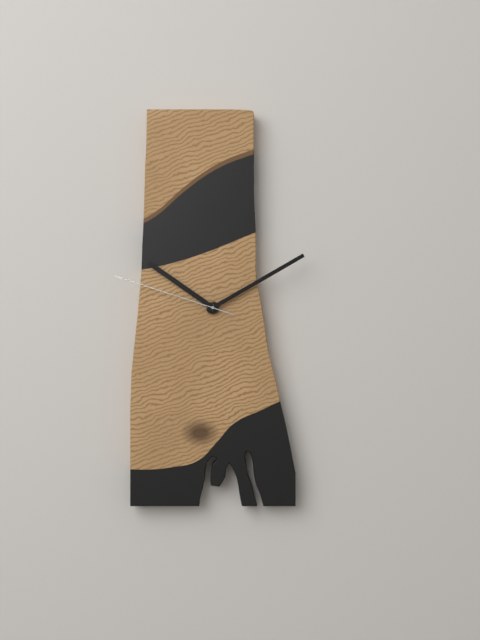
10:10:48
